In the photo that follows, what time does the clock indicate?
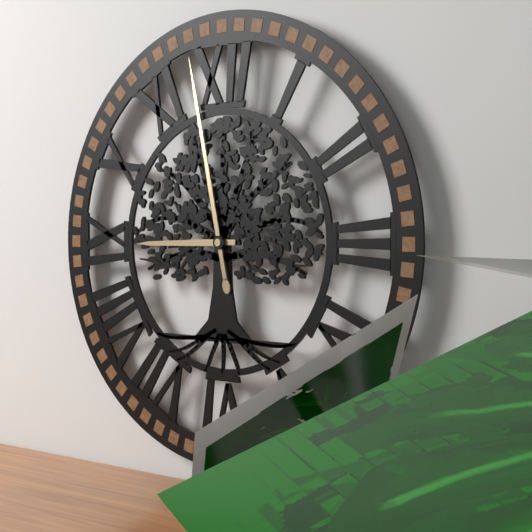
8:58
